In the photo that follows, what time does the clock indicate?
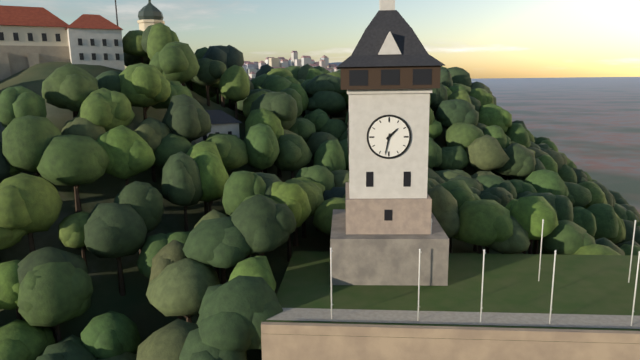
1:32
